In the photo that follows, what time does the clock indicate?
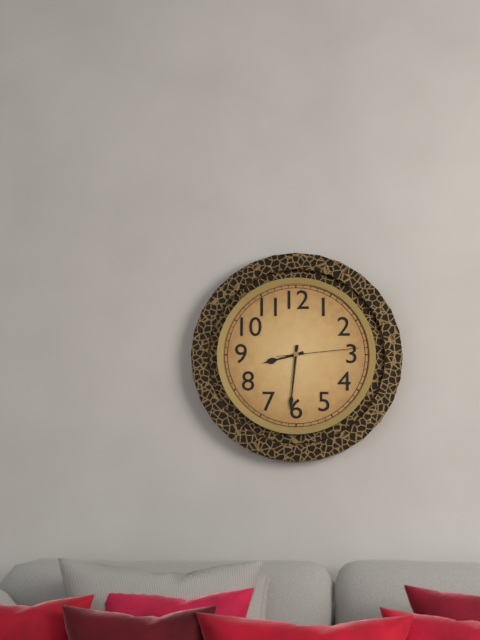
8:31:14
